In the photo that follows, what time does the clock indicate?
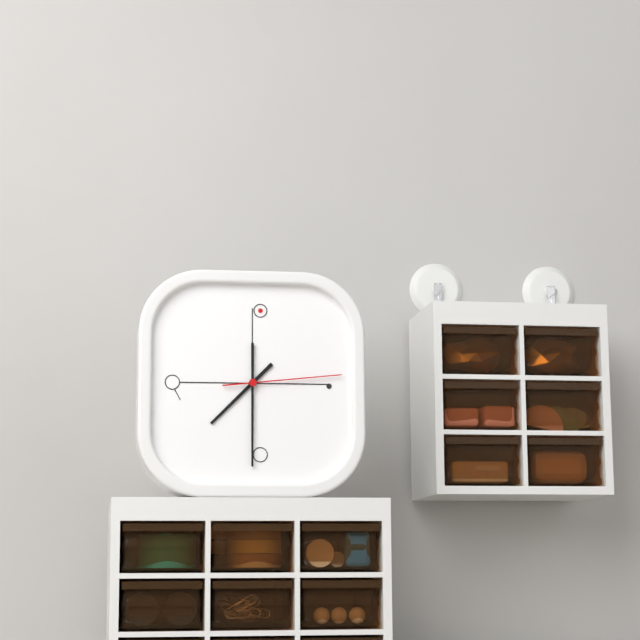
7:30:14
